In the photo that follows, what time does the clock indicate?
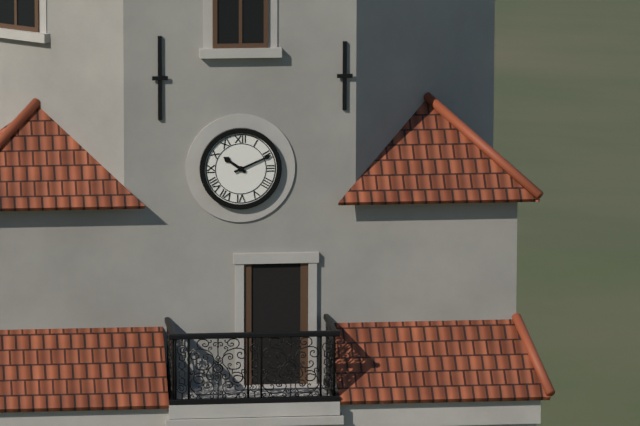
10:11
